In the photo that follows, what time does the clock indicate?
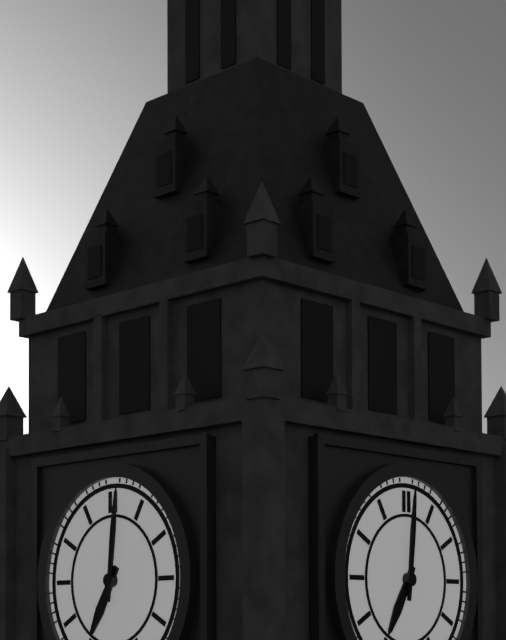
7:01
